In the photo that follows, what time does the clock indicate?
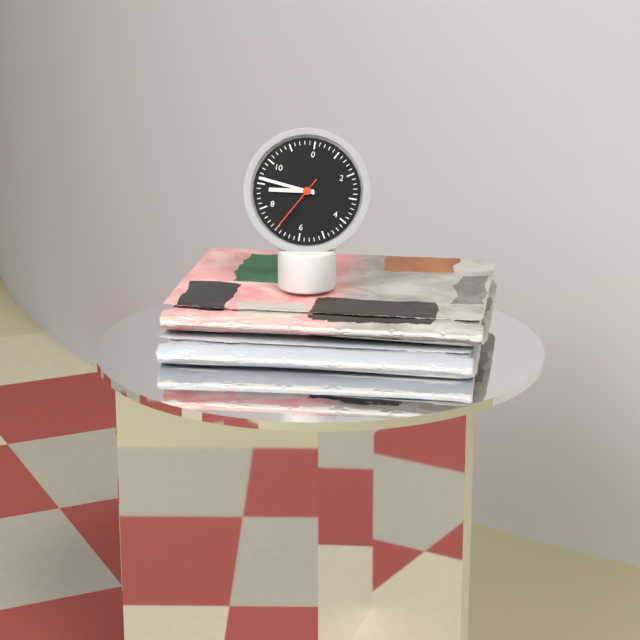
8:46:35
